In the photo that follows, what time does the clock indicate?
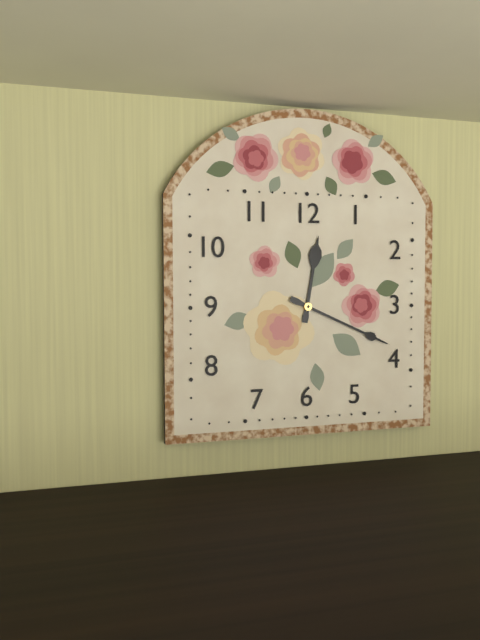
12:19
